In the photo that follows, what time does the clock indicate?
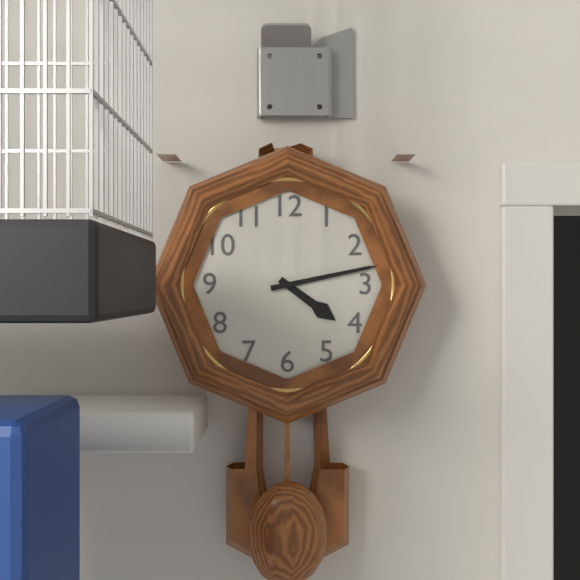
4:13
